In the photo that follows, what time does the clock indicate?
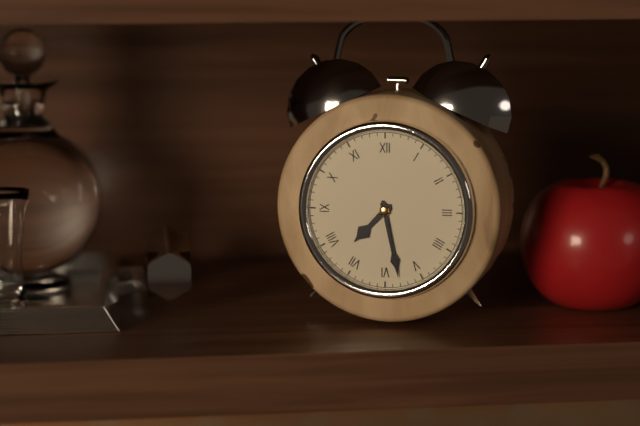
7:28
